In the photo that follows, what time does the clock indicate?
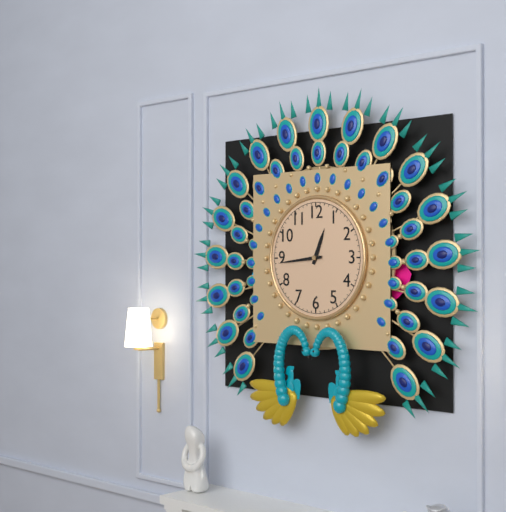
12:44
